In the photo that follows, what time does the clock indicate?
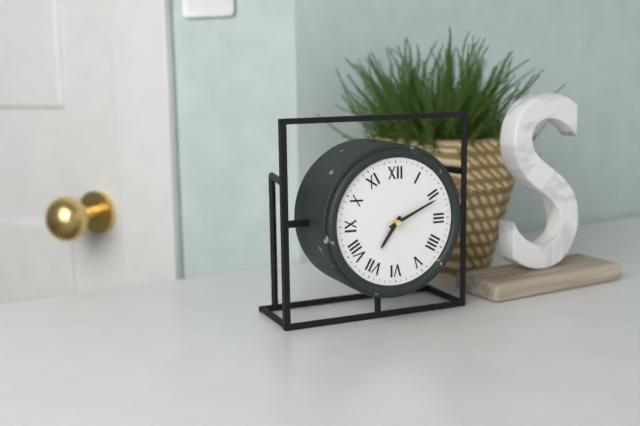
7:11
